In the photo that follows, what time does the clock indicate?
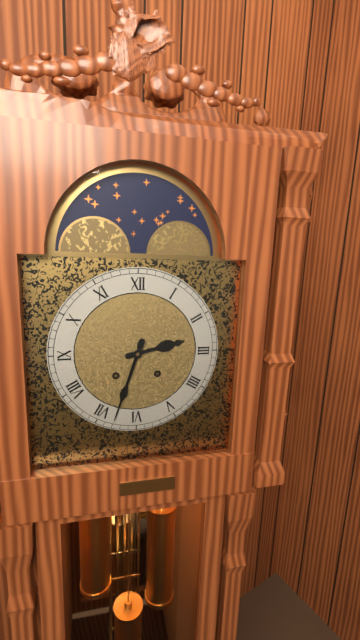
2:33
